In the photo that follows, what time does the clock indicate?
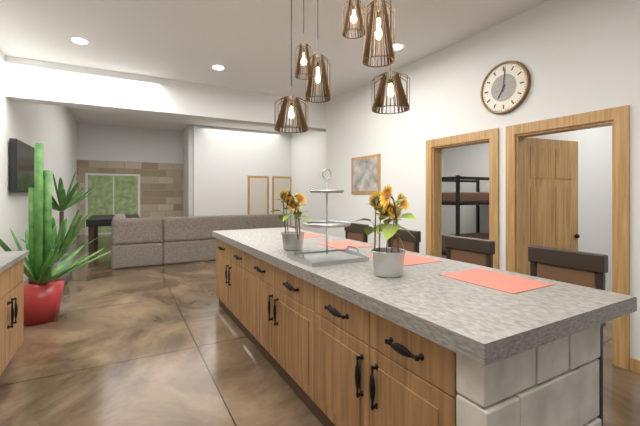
7:01
